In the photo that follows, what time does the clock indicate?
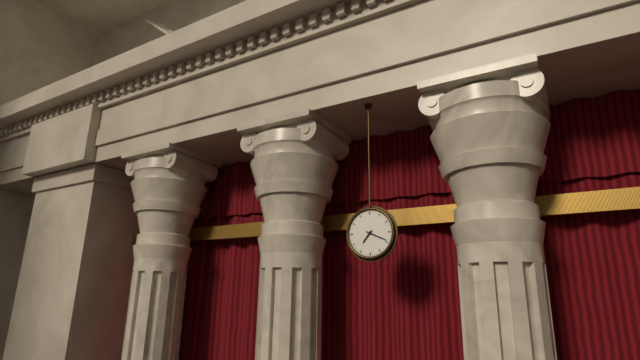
7:19
